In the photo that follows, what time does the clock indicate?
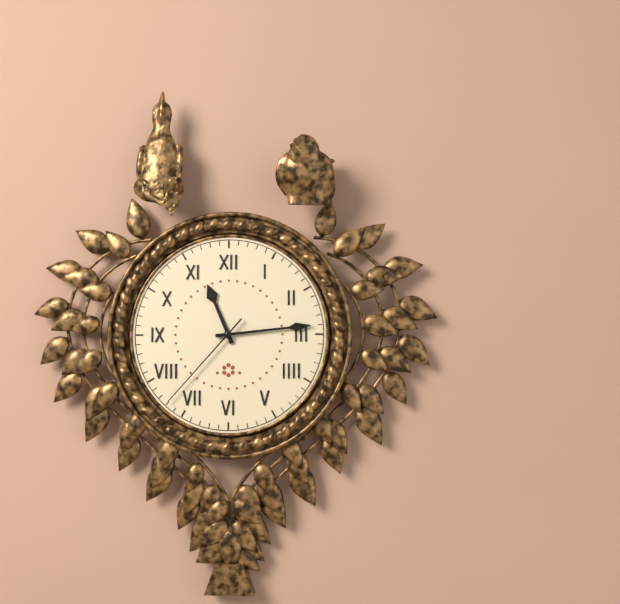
11:14:37
